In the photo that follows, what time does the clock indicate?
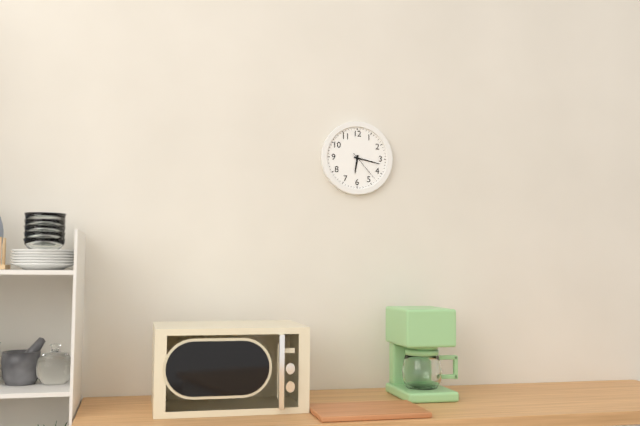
6:17
